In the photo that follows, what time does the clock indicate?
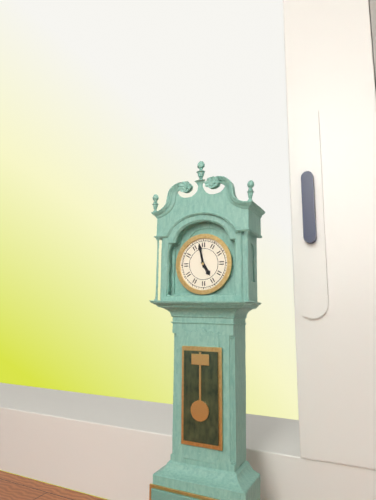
4:58
